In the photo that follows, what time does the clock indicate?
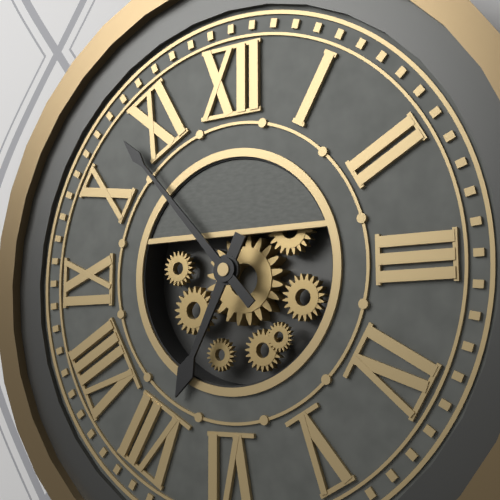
6:53
